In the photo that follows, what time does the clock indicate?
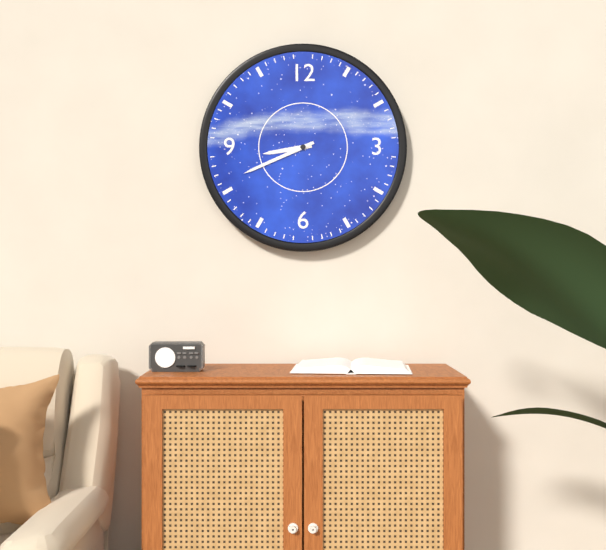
8:41
